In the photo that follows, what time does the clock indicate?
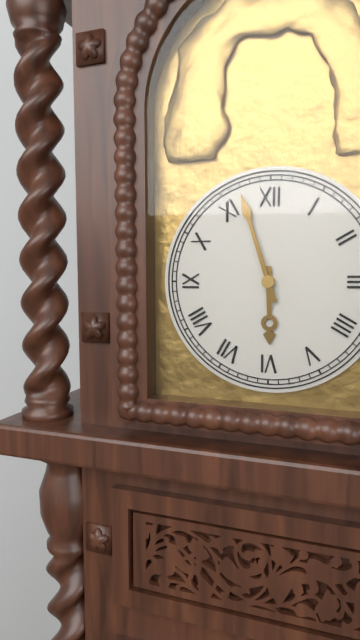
5:57
